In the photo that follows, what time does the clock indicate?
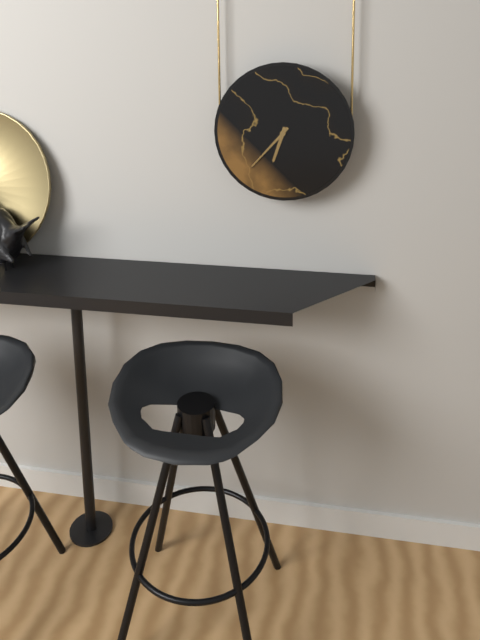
6:37
